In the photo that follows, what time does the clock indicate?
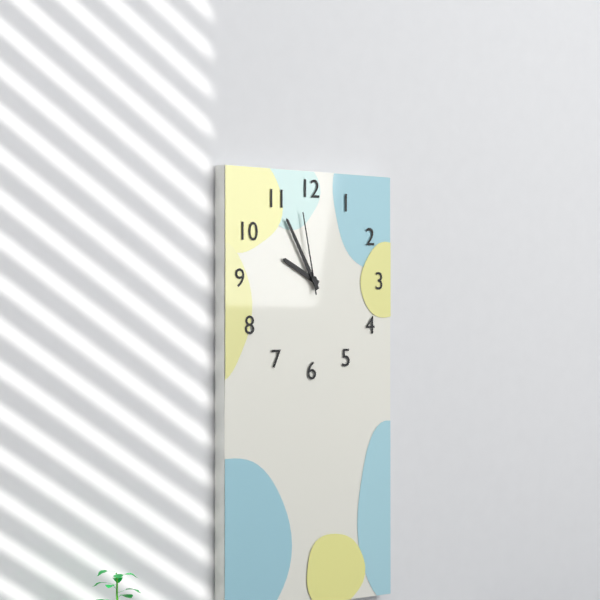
9:55:58
